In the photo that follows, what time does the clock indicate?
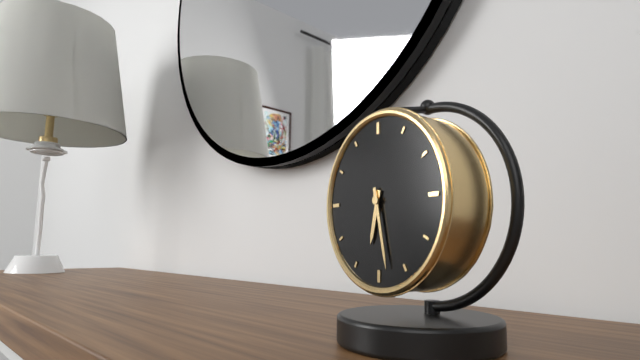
6:28
